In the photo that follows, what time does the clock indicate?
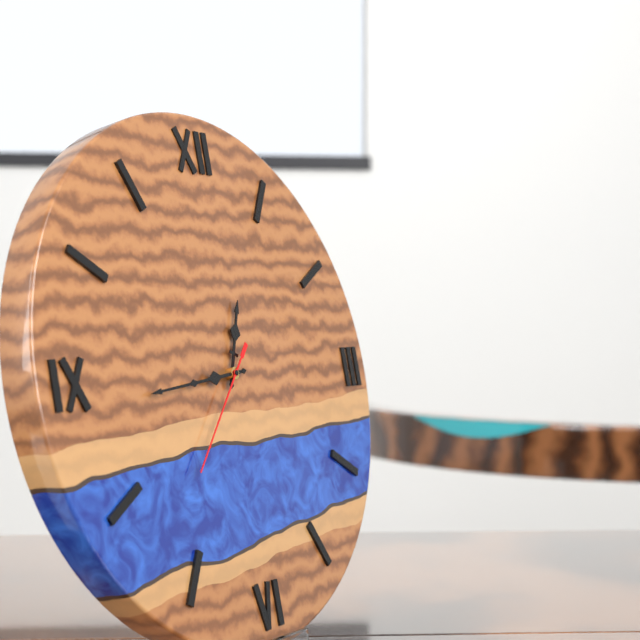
12:44:37
